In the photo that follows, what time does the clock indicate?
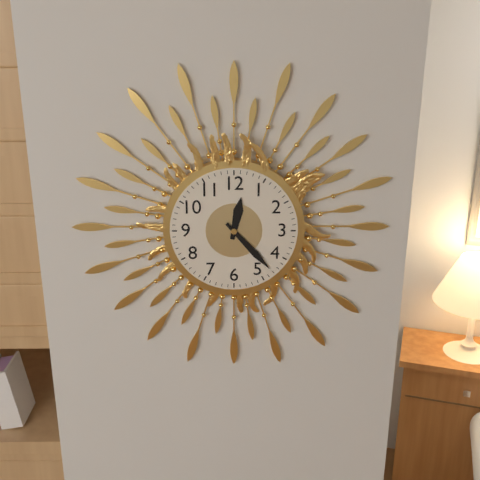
12:23
